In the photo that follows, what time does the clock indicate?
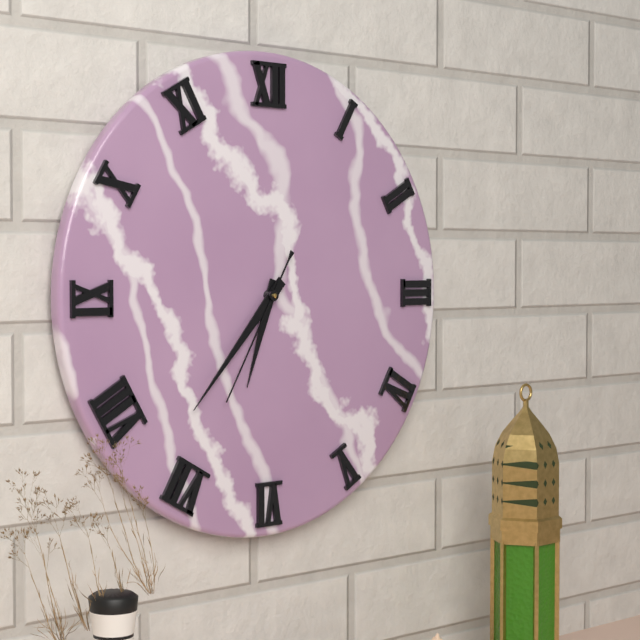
6:37:35
